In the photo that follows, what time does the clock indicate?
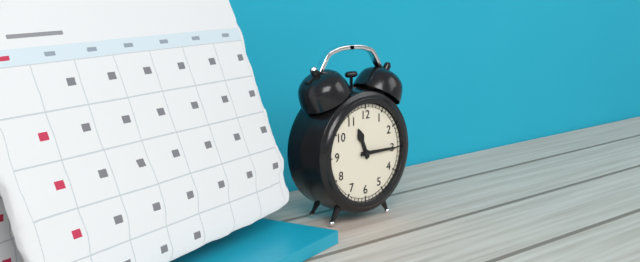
11:15
